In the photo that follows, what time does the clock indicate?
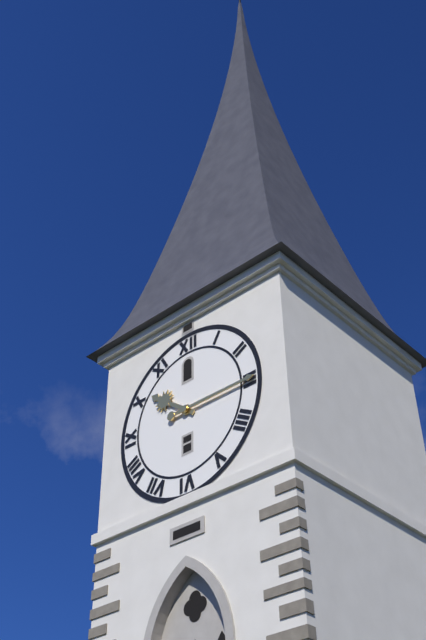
10:15
